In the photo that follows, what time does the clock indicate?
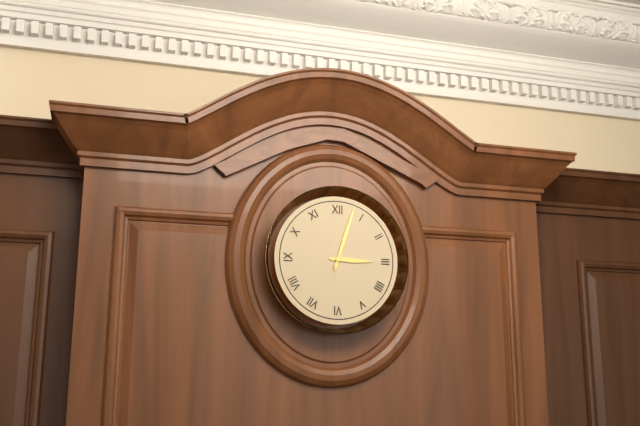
3:03
